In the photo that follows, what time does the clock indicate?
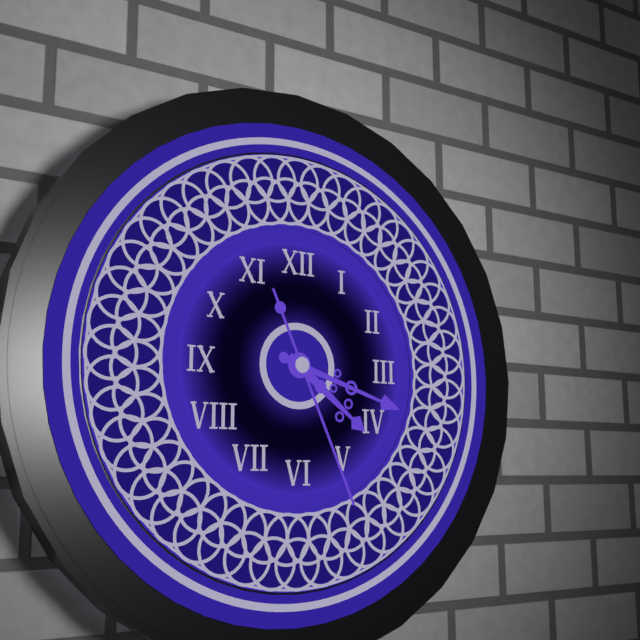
4:18:26
